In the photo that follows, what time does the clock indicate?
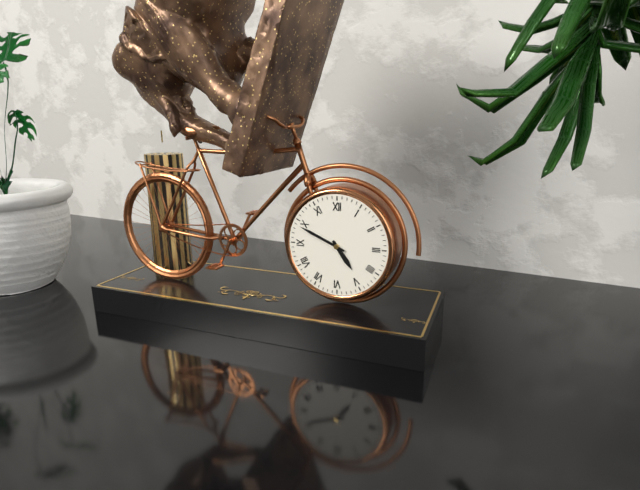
4:49
